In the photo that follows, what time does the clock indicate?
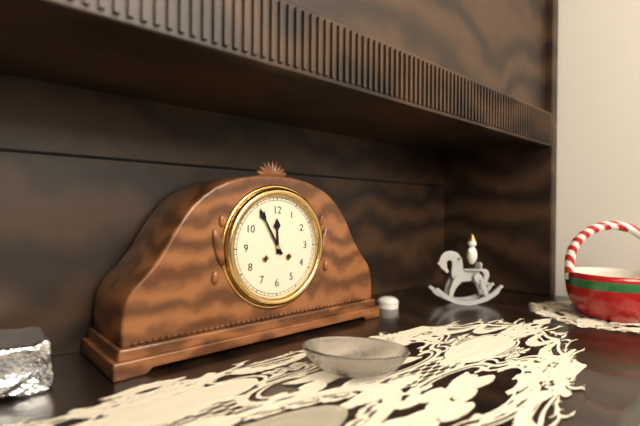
11:55
